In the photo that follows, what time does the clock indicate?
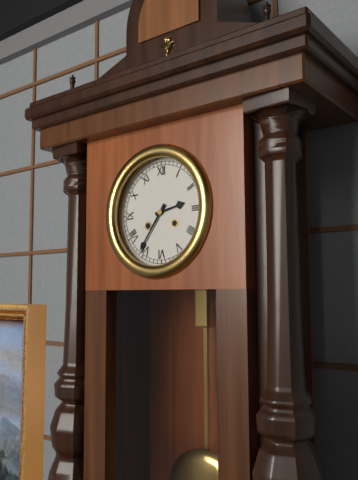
2:36
